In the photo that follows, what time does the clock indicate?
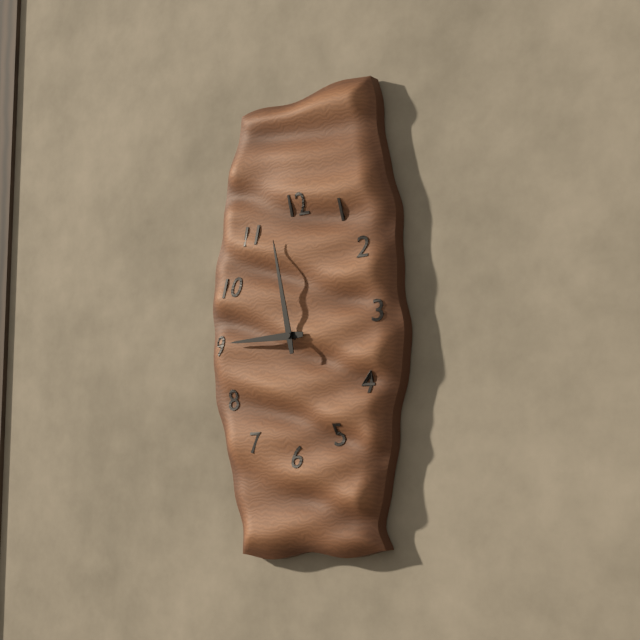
8:58
